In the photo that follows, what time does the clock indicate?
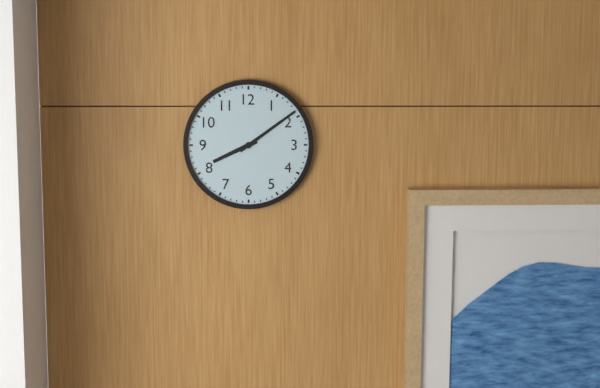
8:09
